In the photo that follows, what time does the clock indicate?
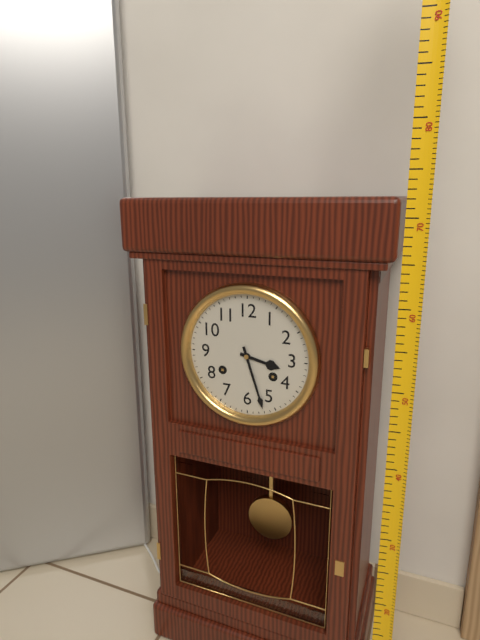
3:27
